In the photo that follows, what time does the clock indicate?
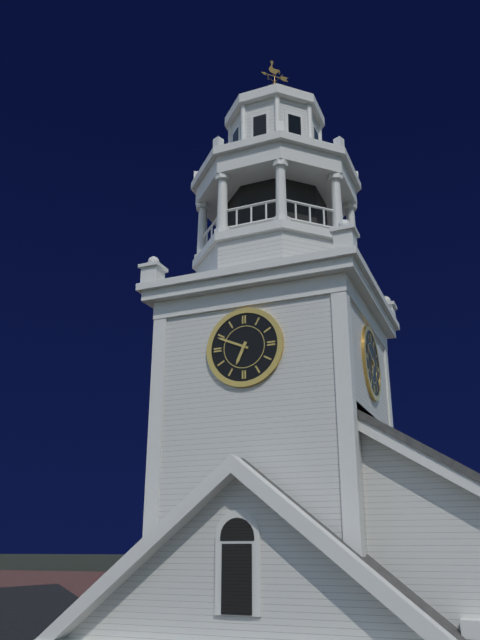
6:49
